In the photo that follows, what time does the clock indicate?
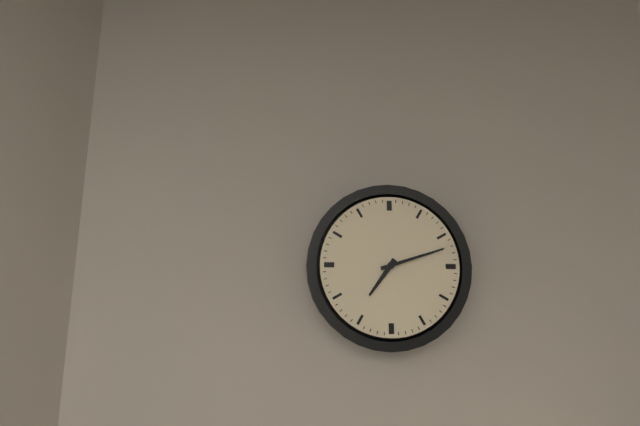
7:12
